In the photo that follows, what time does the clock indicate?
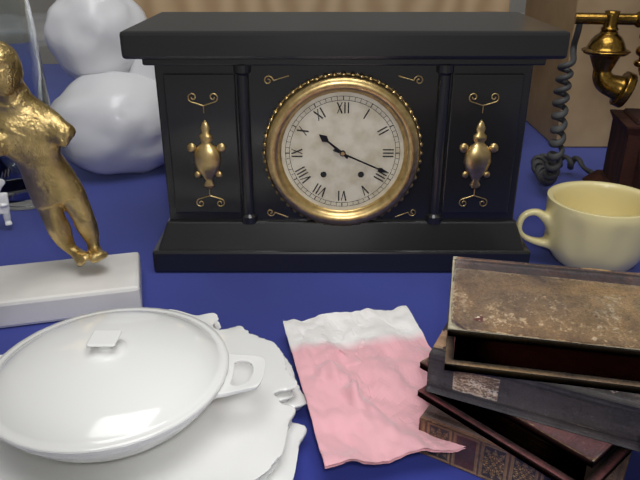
10:19
